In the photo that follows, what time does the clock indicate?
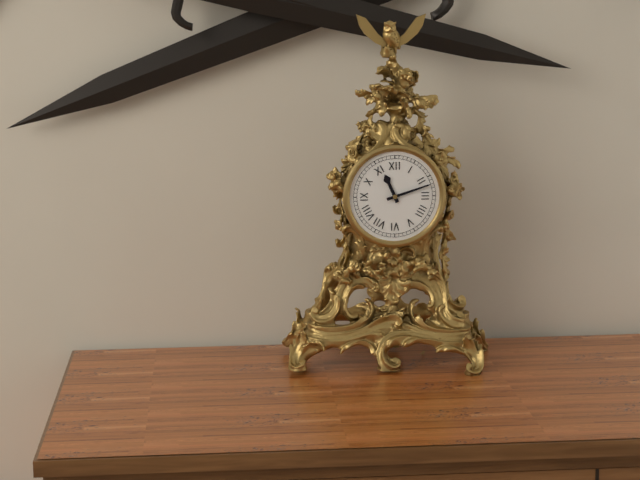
11:12
